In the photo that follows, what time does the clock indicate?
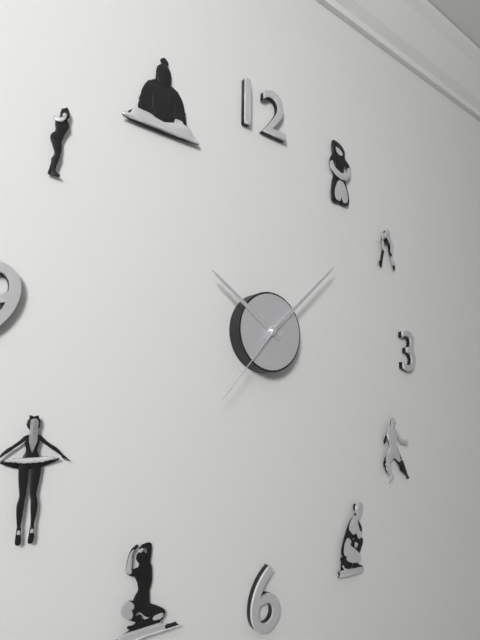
10:08:37
